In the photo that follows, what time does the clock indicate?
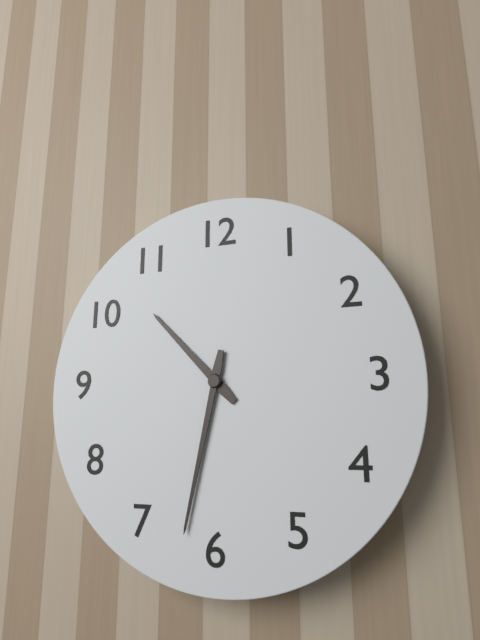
10:32
